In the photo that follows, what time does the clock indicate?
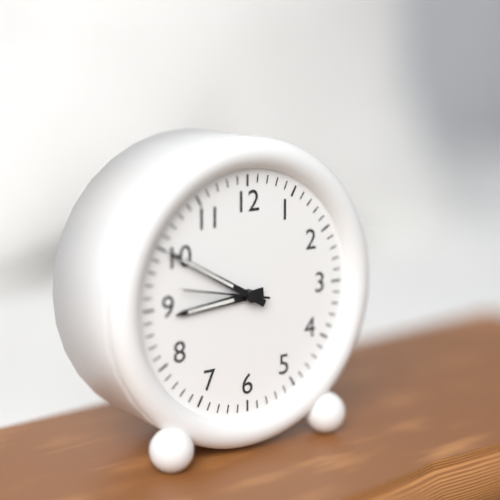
8:50:47
